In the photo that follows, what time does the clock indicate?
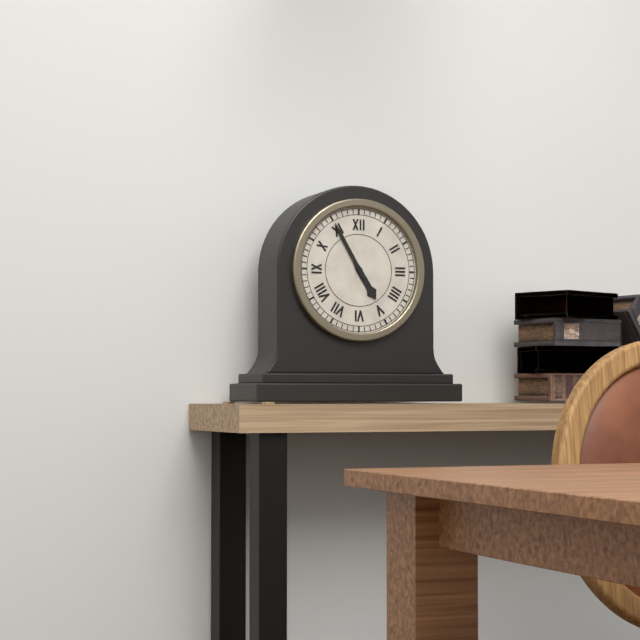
4:55
